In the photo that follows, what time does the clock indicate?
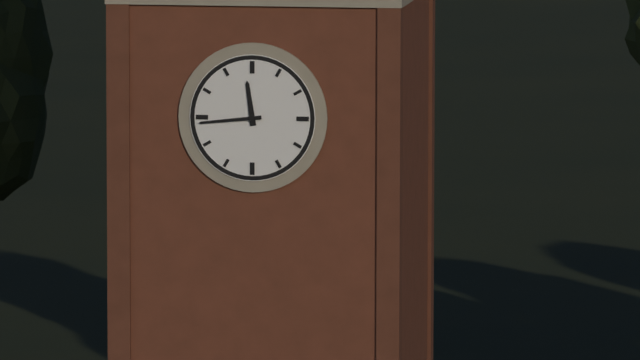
11:44
